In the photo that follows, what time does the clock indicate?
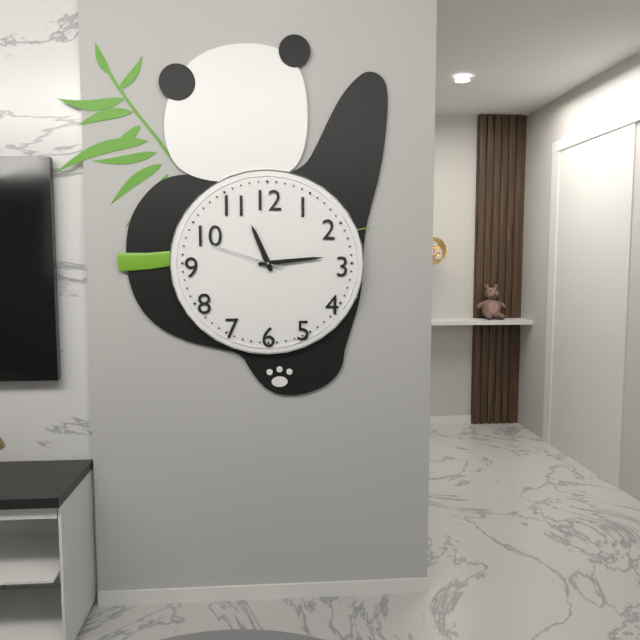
11:14:48
